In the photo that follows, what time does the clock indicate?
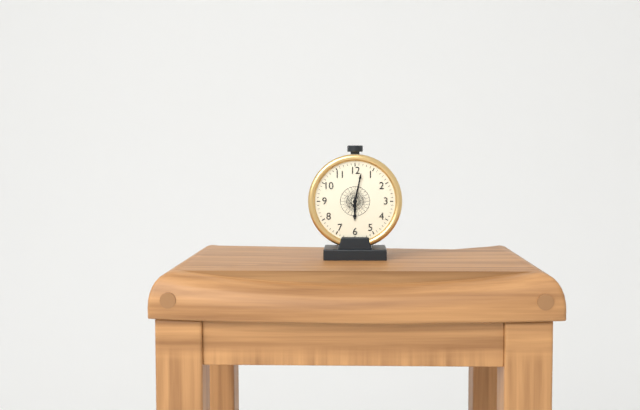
6:02
